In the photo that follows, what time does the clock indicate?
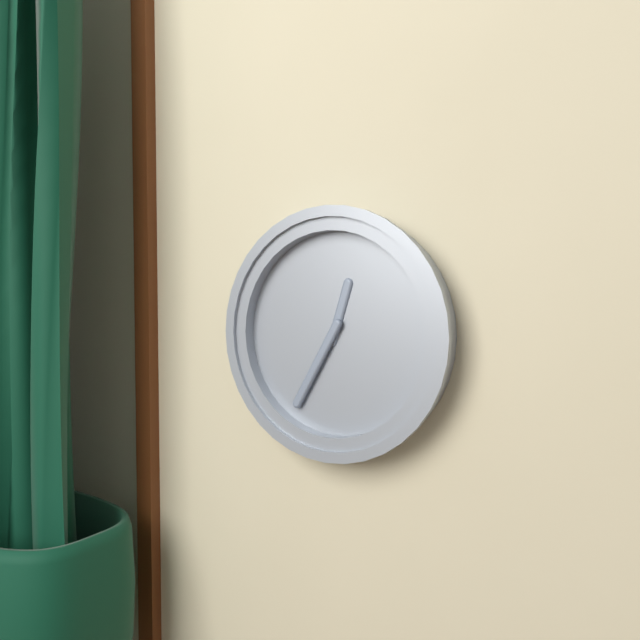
12:35
